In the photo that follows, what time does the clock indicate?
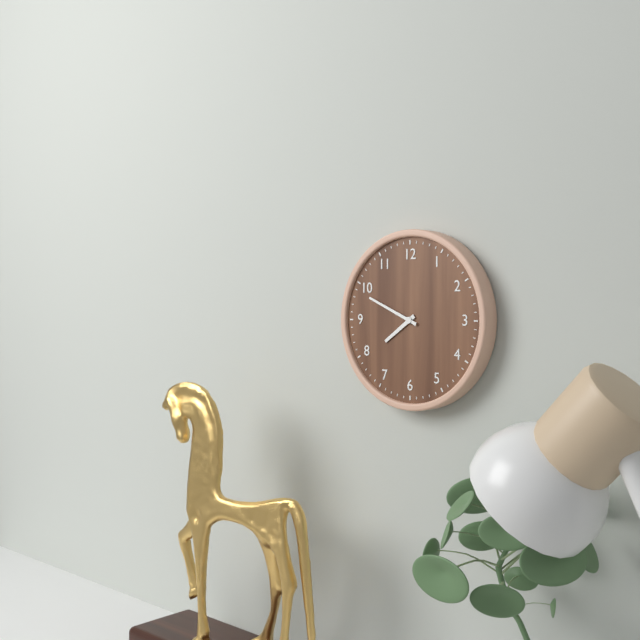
7:49
